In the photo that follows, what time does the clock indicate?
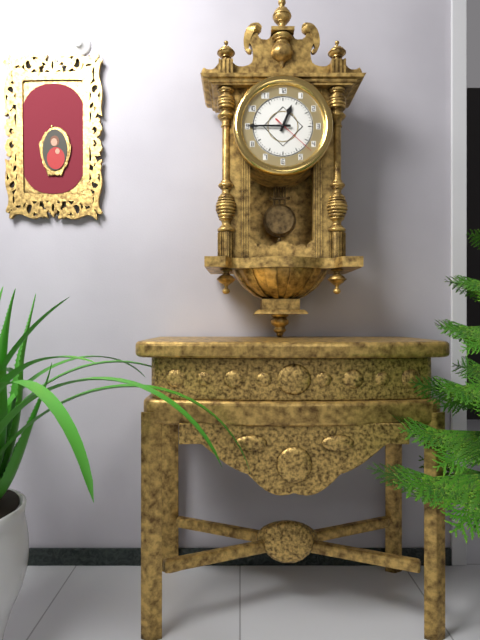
12:45
